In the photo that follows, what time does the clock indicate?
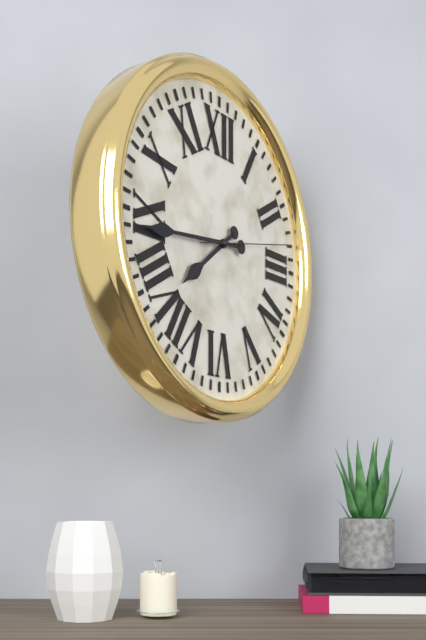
7:44:13
